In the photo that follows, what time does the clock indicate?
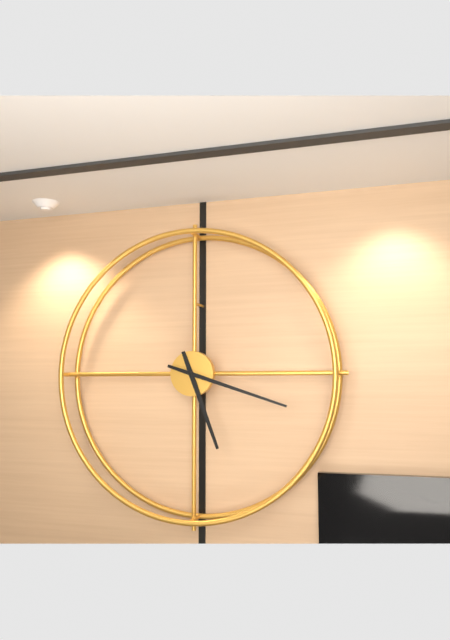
5:18
